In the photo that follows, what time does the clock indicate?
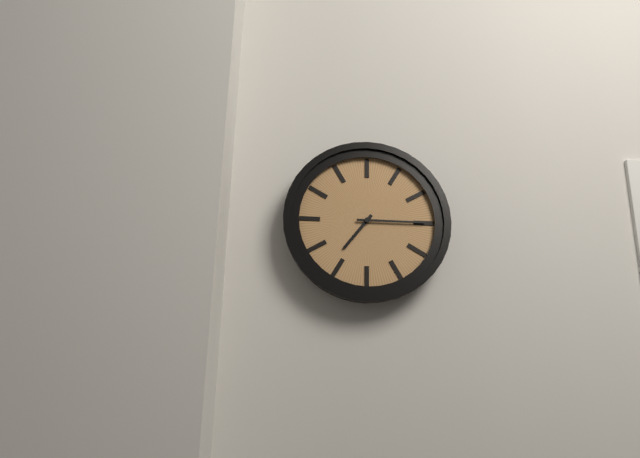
7:15
